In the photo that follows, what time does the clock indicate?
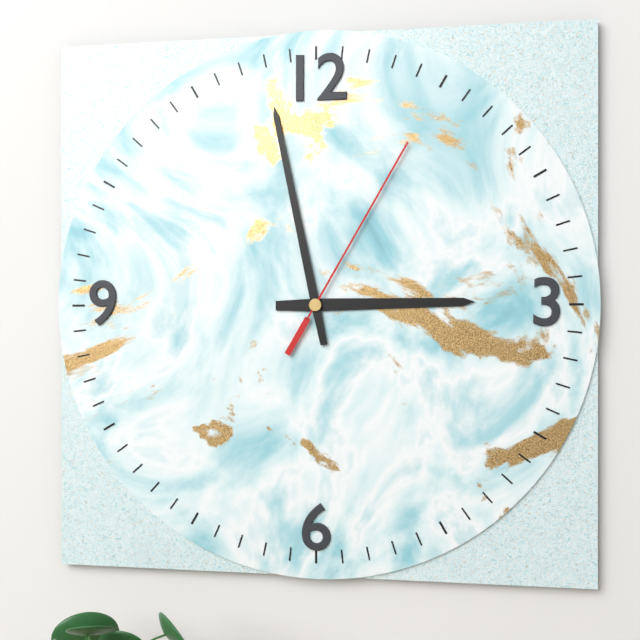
2:58:05
